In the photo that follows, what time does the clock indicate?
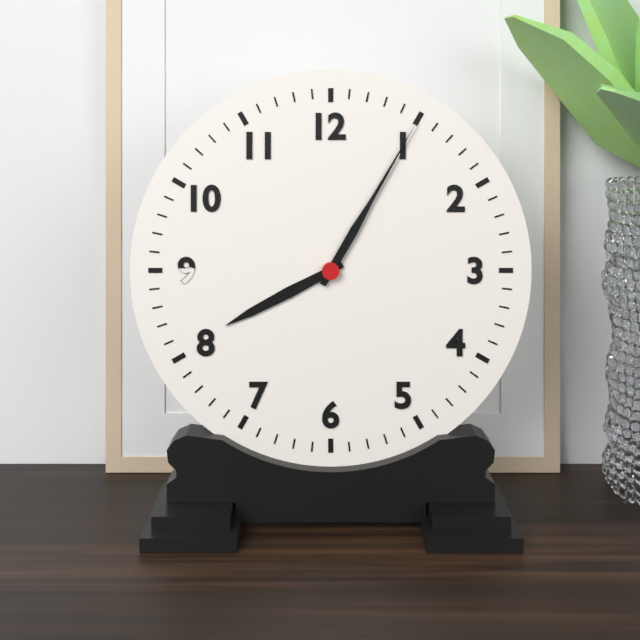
8:05
